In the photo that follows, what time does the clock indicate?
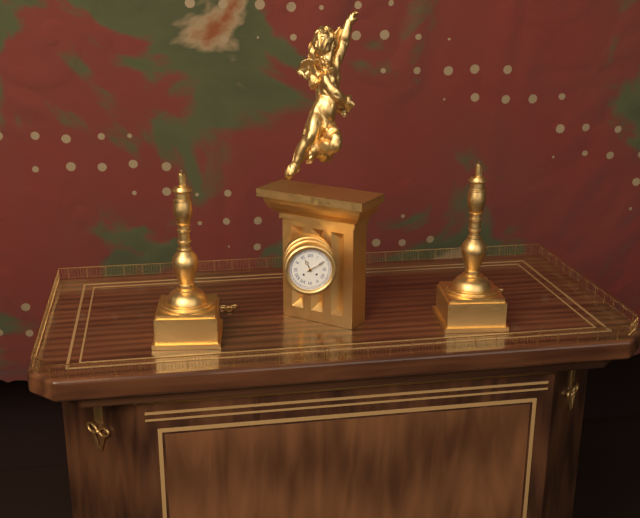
11:10
